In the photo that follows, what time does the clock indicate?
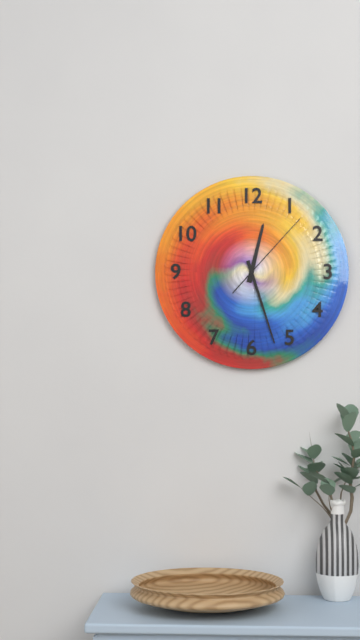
12:27:07
